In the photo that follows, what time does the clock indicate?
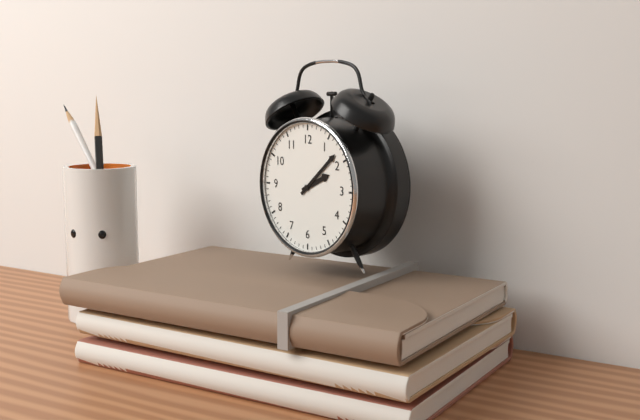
2:08
